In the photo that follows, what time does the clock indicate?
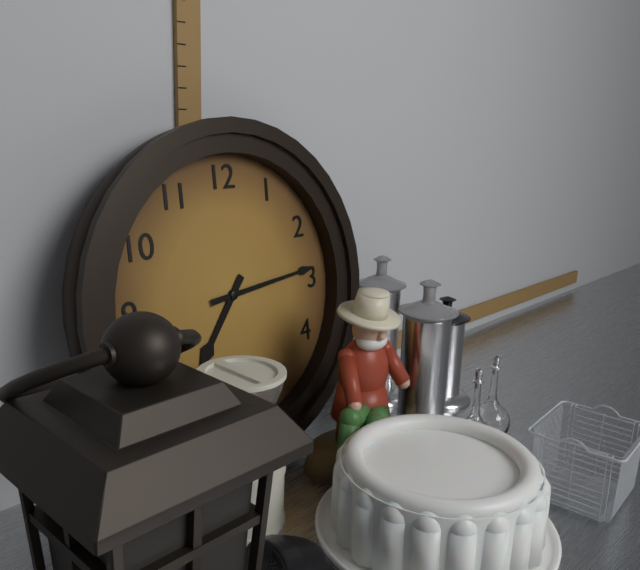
7:14
